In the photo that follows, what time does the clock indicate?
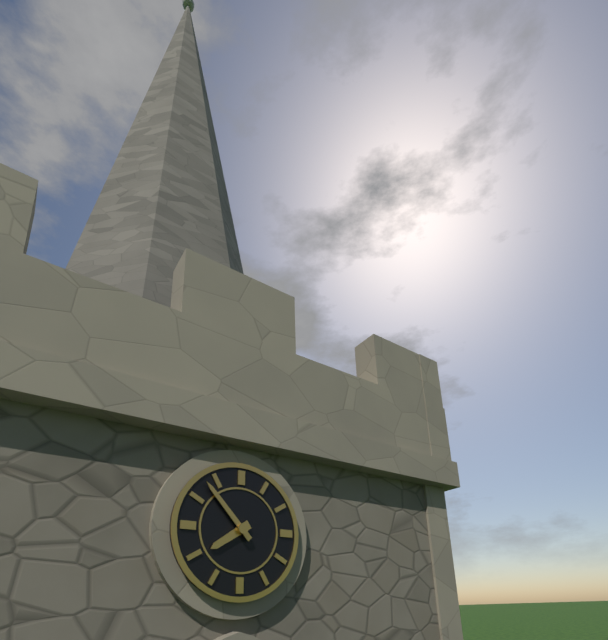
7:53
